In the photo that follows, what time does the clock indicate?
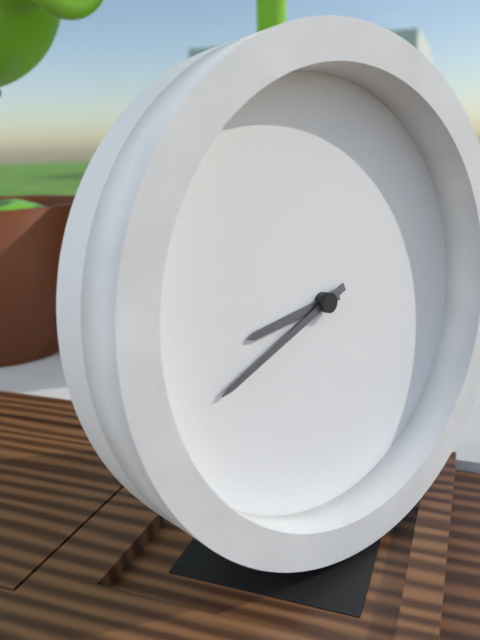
8:41
